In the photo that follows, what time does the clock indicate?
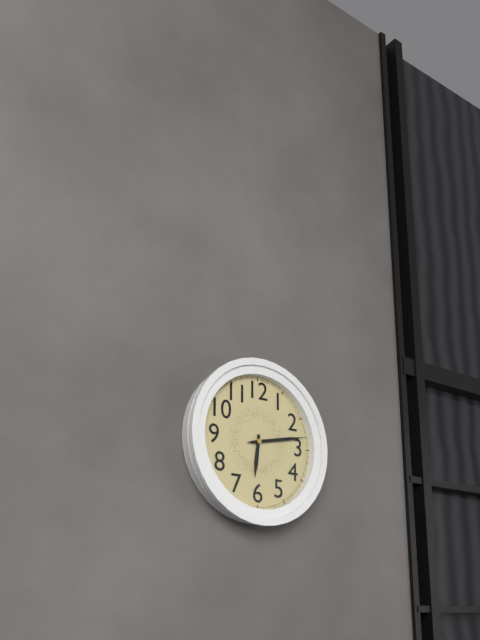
6:13:13
